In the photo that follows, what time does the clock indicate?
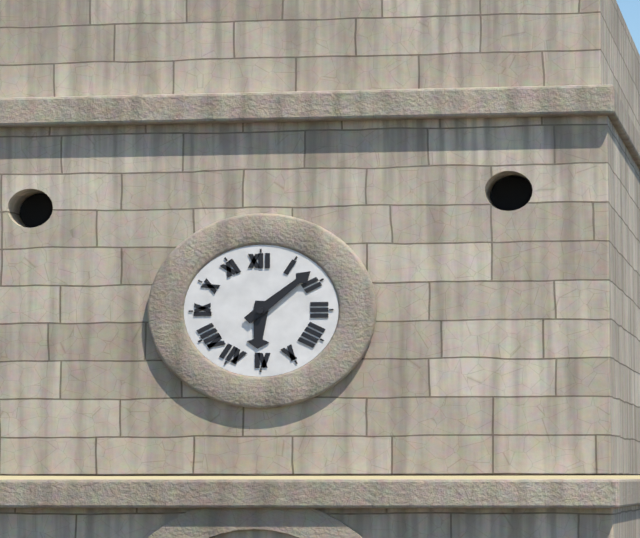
6:08
